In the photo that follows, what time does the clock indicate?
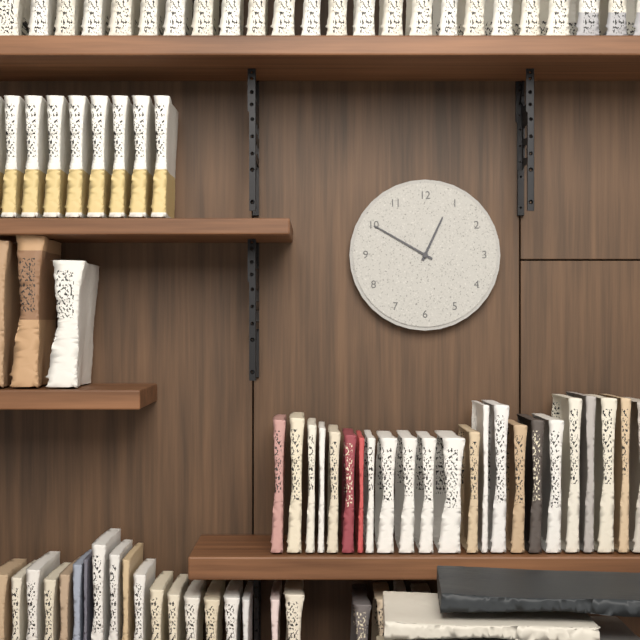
12:50
